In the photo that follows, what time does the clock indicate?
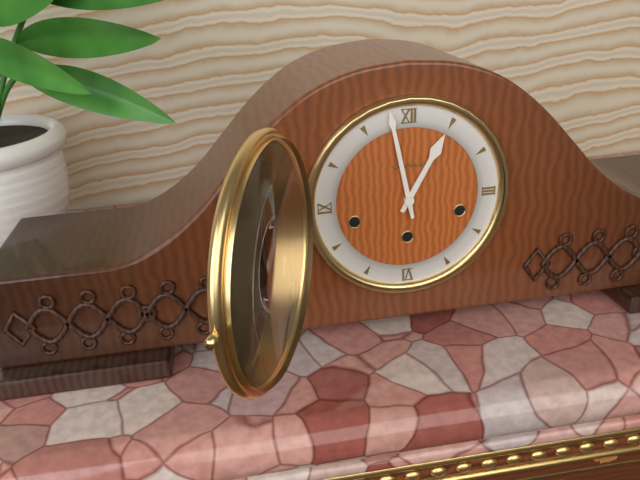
12:58
